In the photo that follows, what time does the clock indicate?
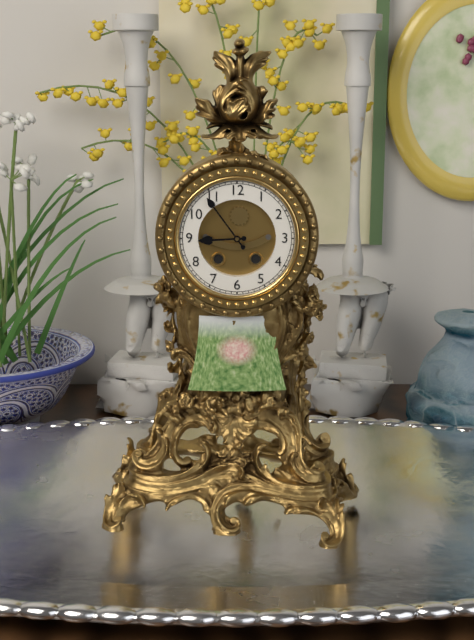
8:54
